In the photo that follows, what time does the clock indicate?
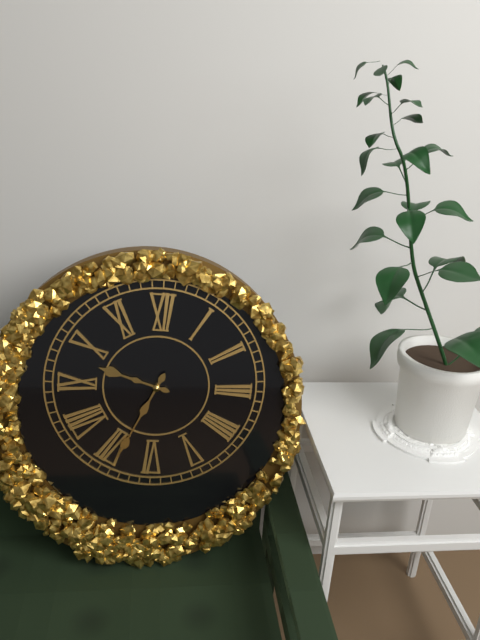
9:34
